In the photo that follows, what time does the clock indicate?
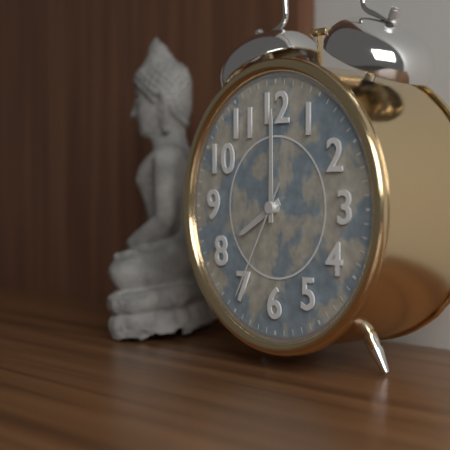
8:00:35
